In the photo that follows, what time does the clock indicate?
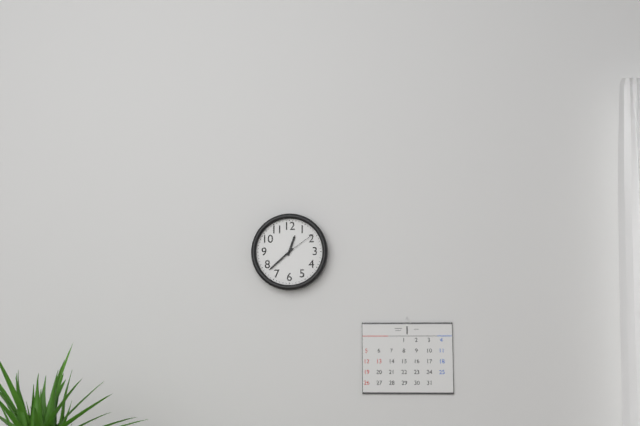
12:38
